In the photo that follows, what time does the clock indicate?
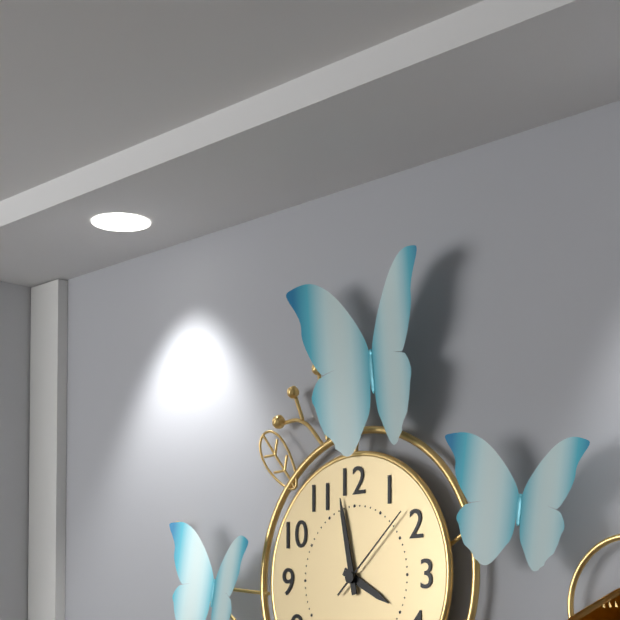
3:58:08
